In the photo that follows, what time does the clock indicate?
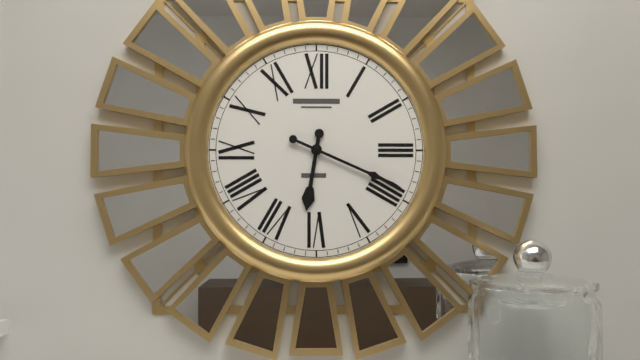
6:19
